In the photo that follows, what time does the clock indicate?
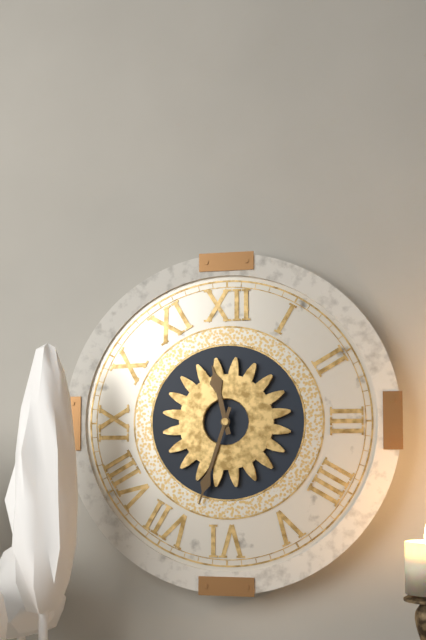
11:33
